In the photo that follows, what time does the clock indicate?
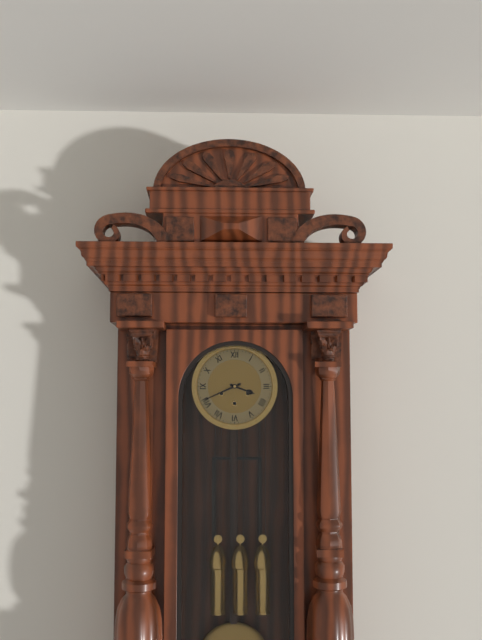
3:41
